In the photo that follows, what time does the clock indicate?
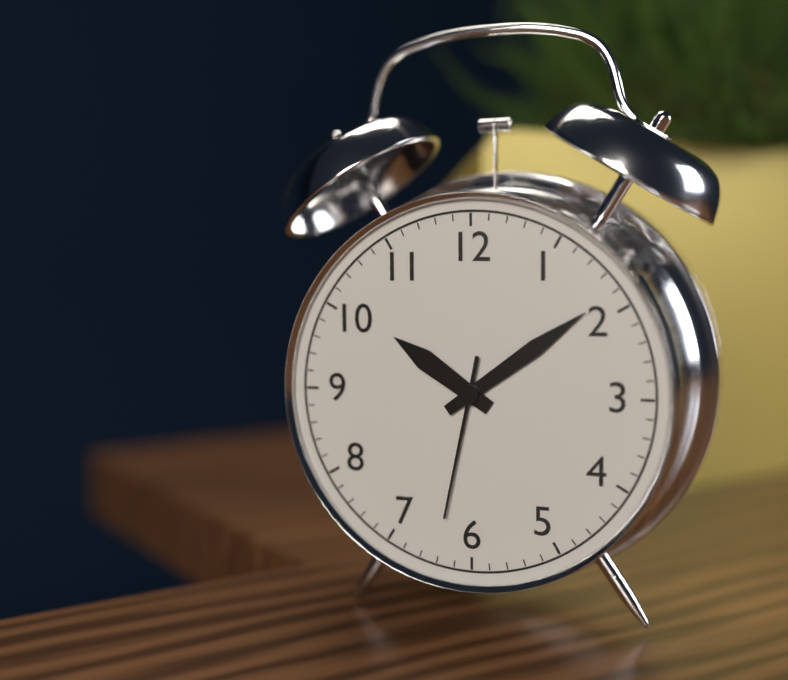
10:09:32
